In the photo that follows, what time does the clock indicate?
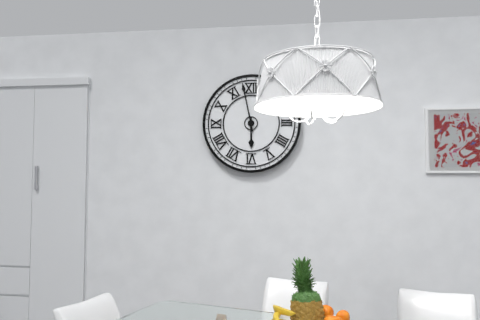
5:58
